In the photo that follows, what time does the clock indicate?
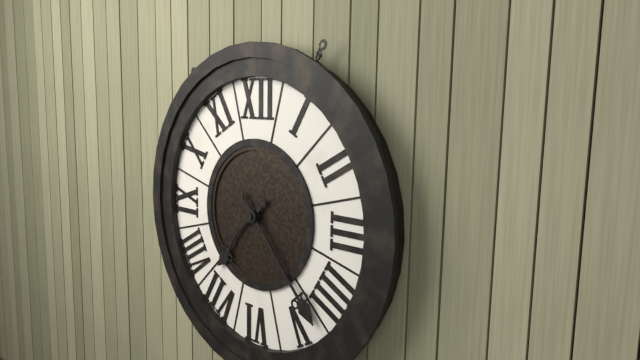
7:23
